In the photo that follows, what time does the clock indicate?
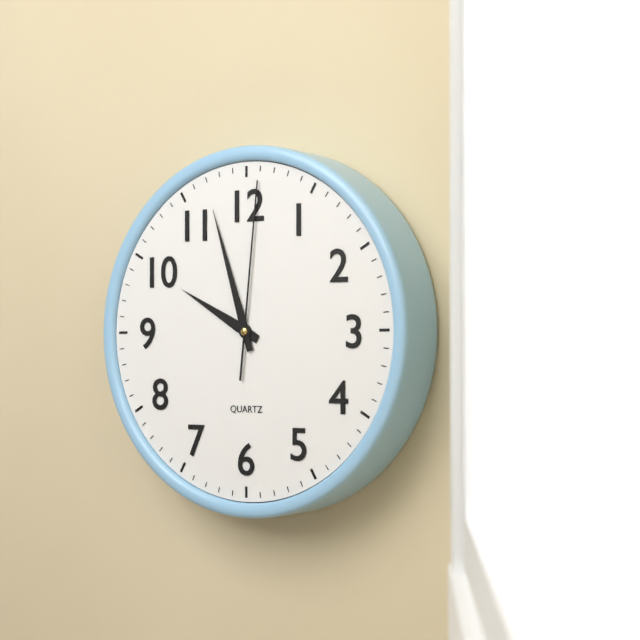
9:57:01
